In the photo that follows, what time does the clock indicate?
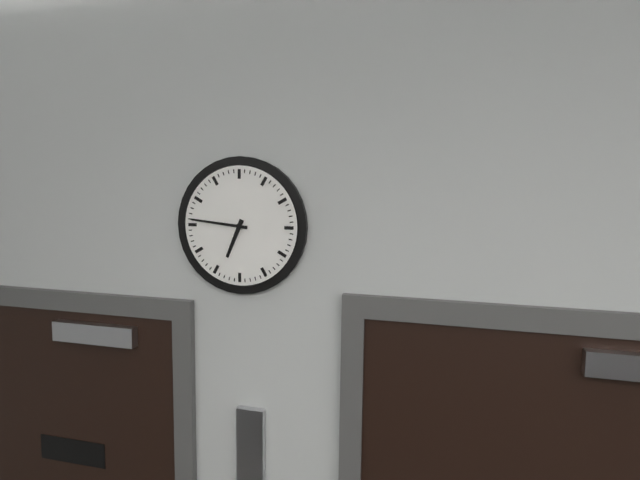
6:46
